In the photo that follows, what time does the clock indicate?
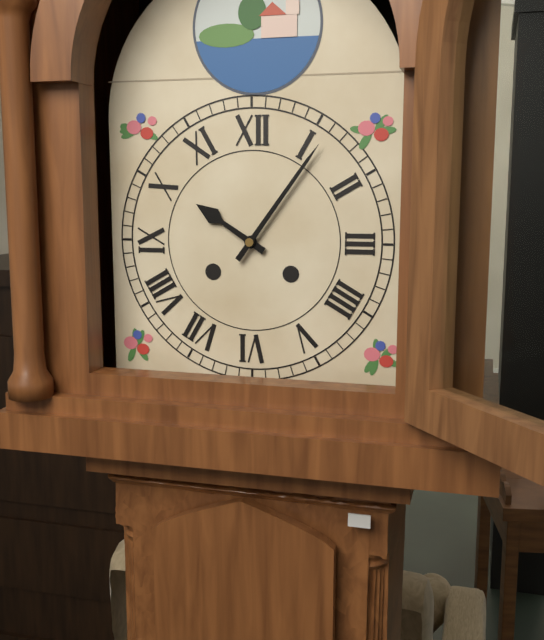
10:06
